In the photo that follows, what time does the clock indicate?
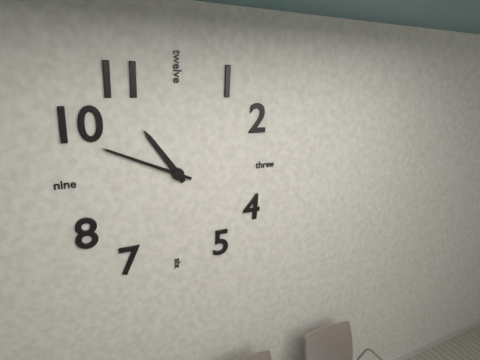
10:49
